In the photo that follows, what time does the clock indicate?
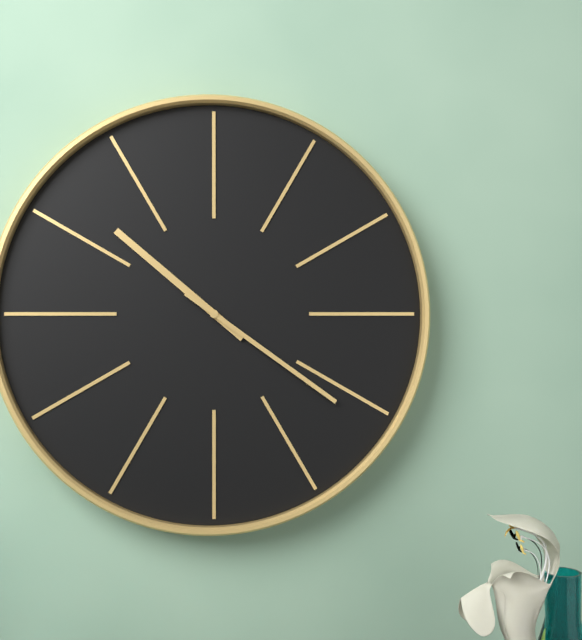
10:21
